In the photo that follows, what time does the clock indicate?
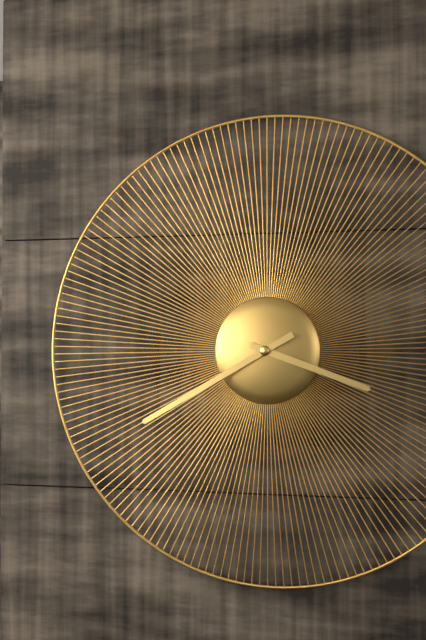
3:40
